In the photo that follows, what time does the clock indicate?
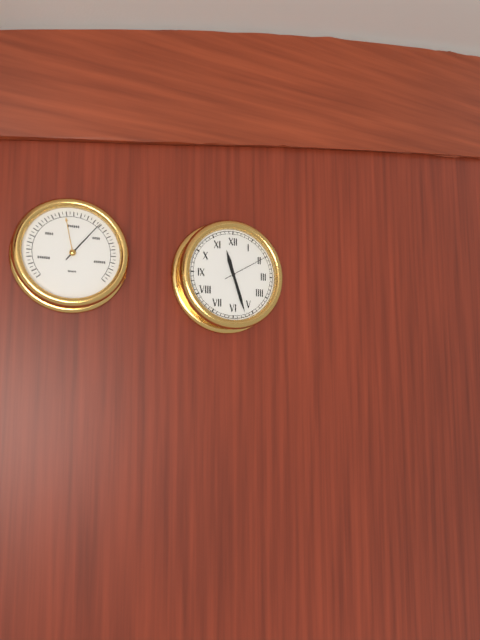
11:27
